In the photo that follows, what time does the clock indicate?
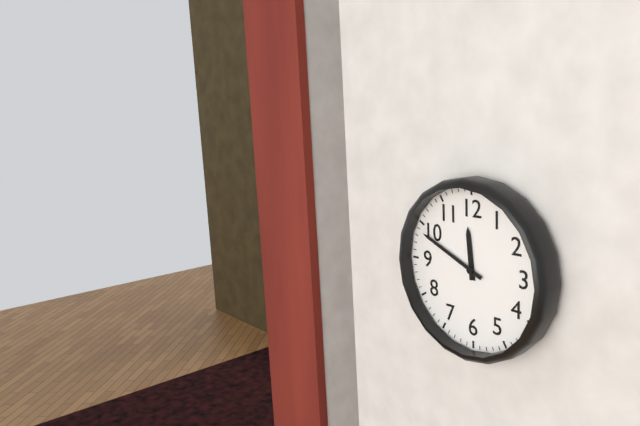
11:49
